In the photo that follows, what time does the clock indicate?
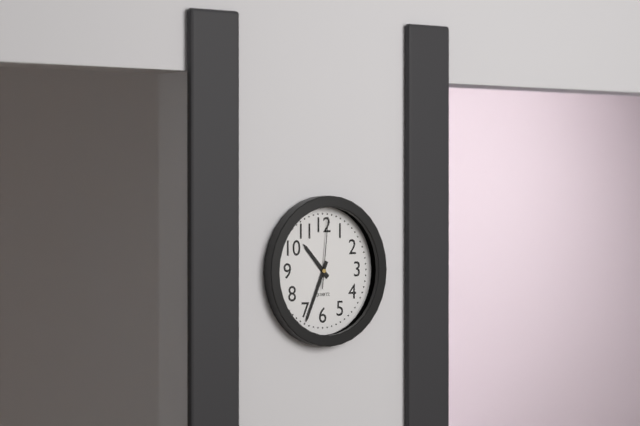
10:34:01
